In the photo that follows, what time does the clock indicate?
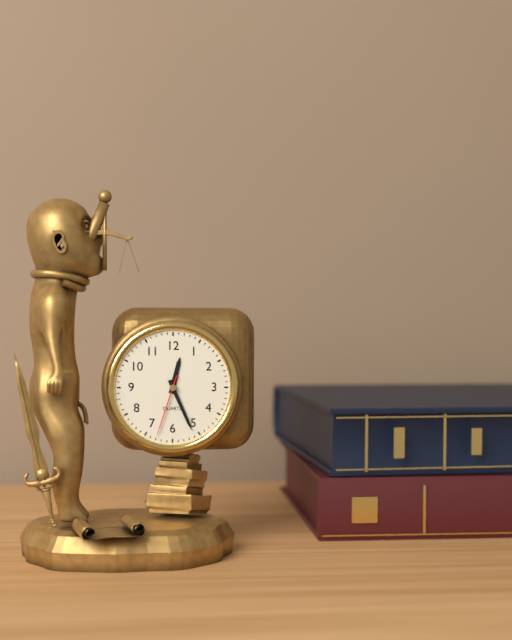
12:26:33
